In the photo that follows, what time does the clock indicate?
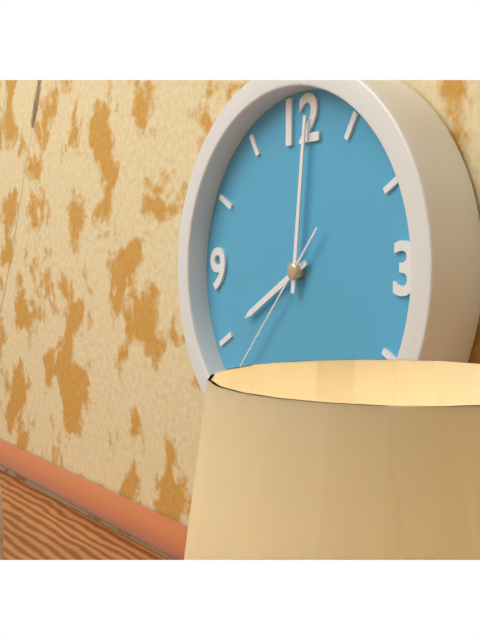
8:01:37
